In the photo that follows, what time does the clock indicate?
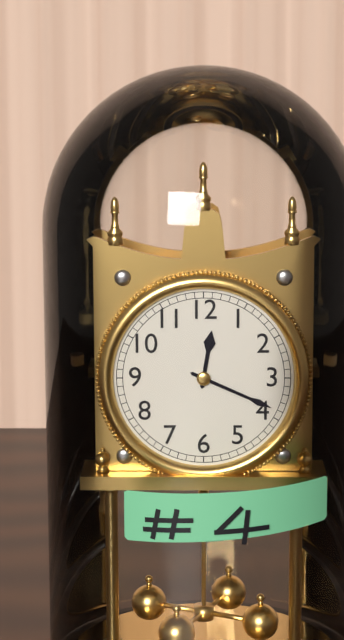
12:19
